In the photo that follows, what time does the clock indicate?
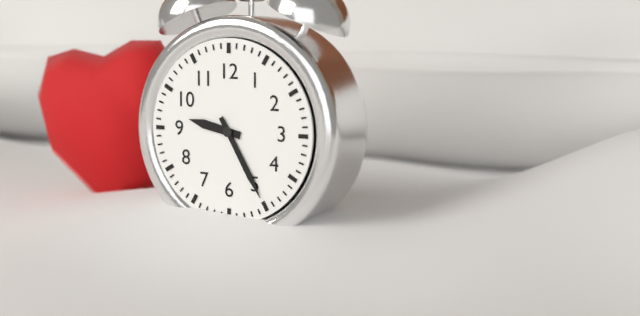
9:25
